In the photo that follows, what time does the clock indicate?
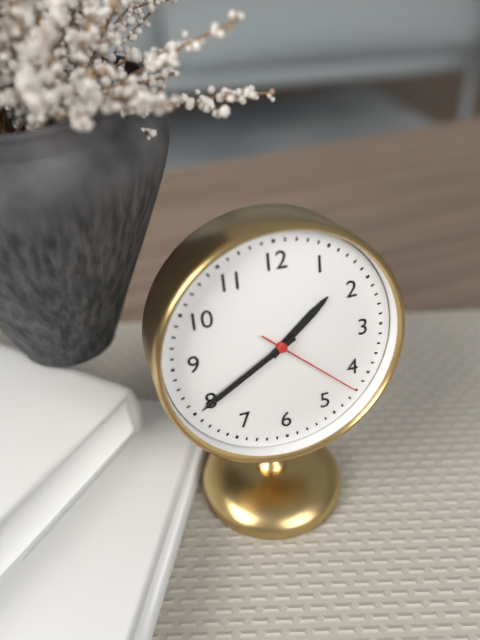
1:40:22
